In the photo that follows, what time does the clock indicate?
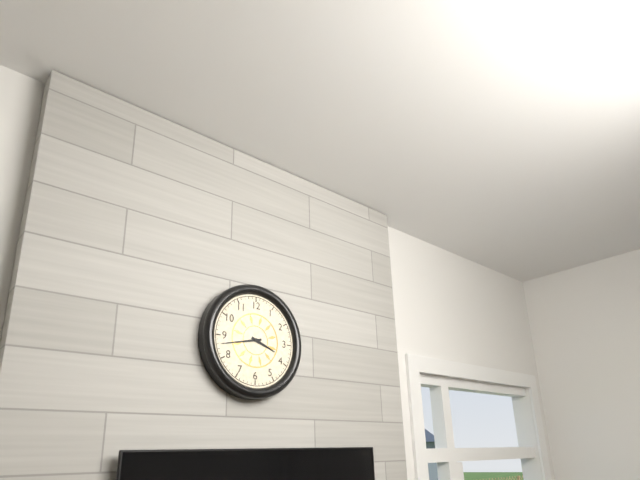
3:43
